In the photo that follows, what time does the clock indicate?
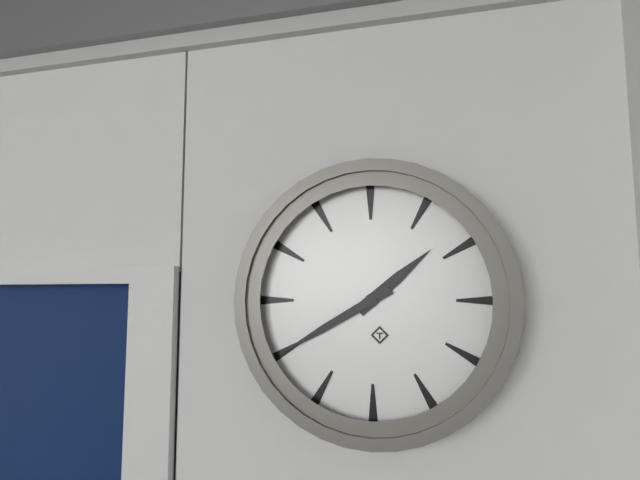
1:40
